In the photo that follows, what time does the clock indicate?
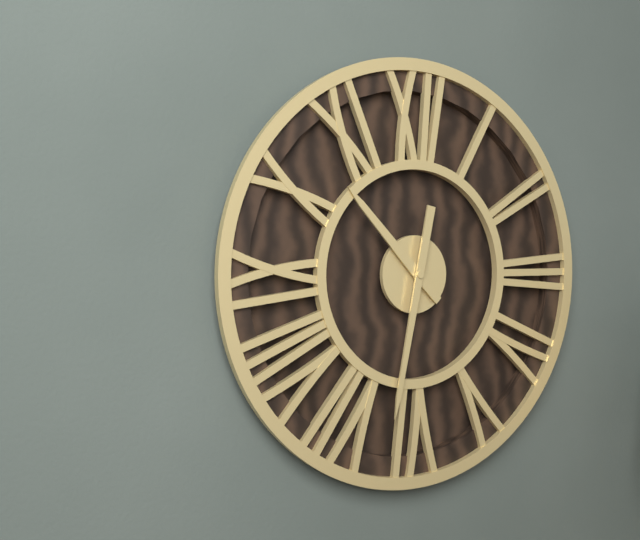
10:32
